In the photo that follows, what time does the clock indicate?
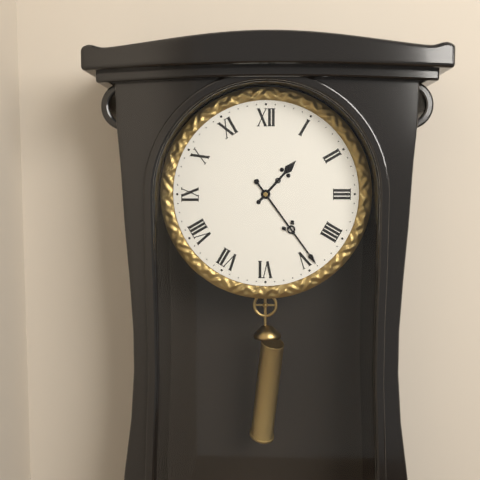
1:24
